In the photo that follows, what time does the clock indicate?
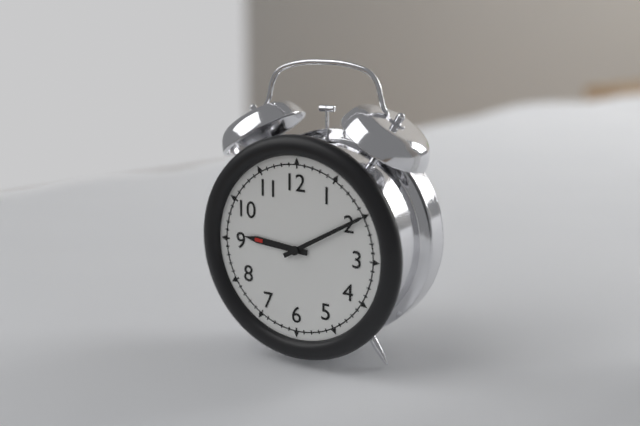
9:10
